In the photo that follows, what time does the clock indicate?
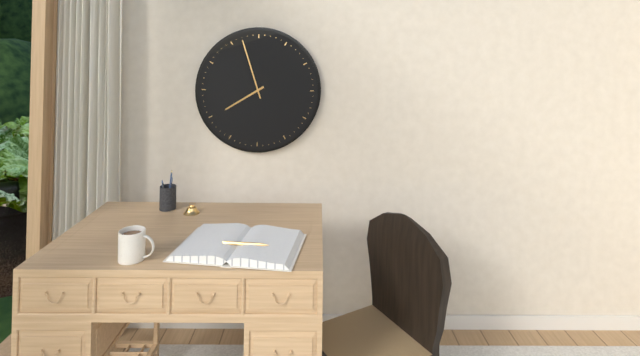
7:57
